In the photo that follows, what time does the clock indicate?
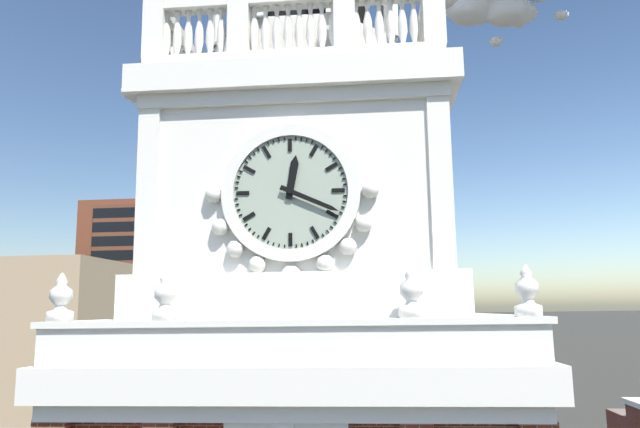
12:19
